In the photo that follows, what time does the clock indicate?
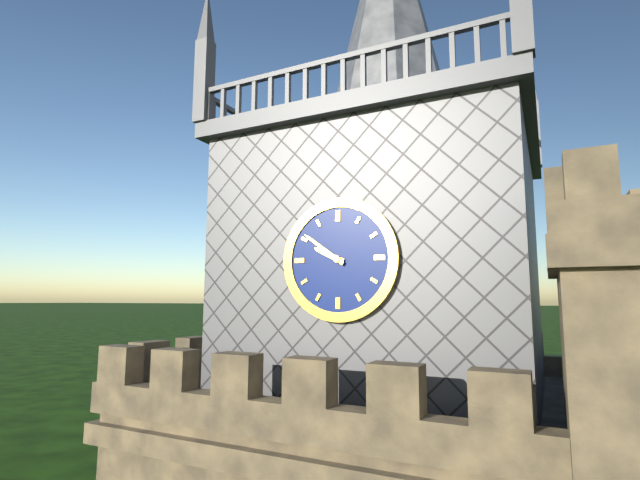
9:51
